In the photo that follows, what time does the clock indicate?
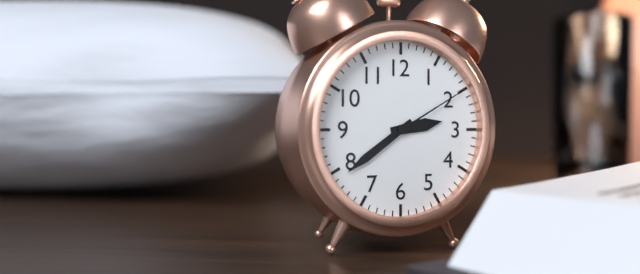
2:39:10
